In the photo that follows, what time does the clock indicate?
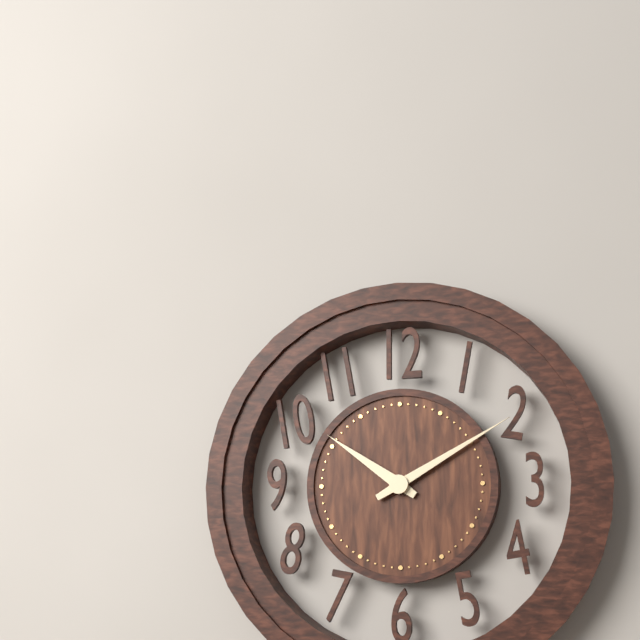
10:10
